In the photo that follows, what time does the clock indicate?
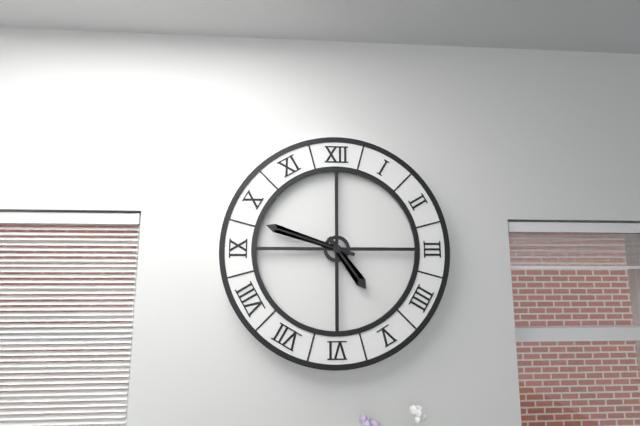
4:48
